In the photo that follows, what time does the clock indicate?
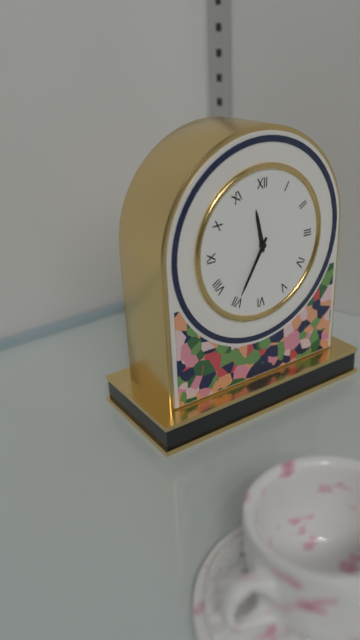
11:35
